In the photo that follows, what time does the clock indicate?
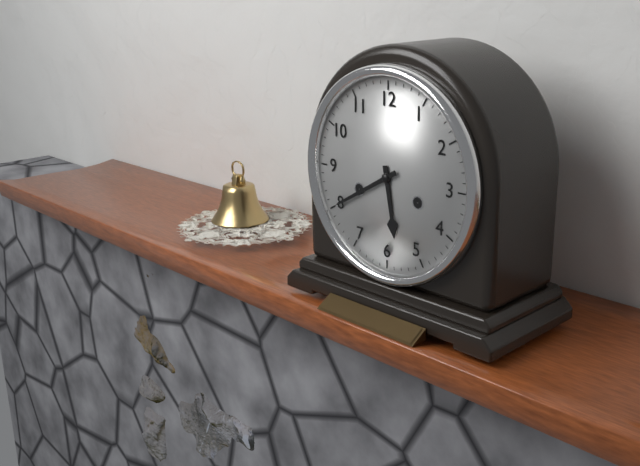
5:40
